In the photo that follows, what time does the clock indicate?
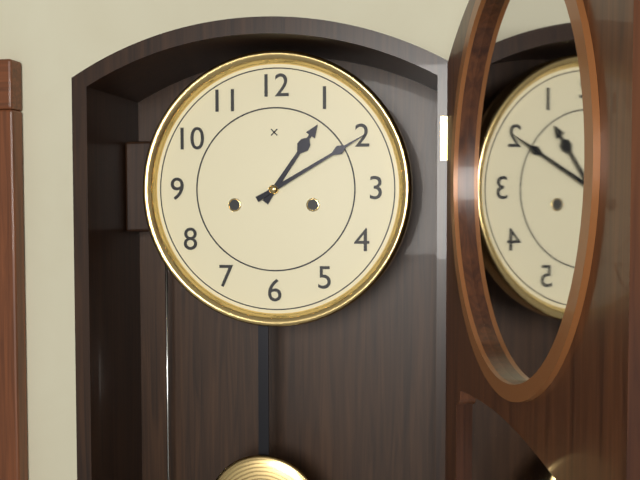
1:10
